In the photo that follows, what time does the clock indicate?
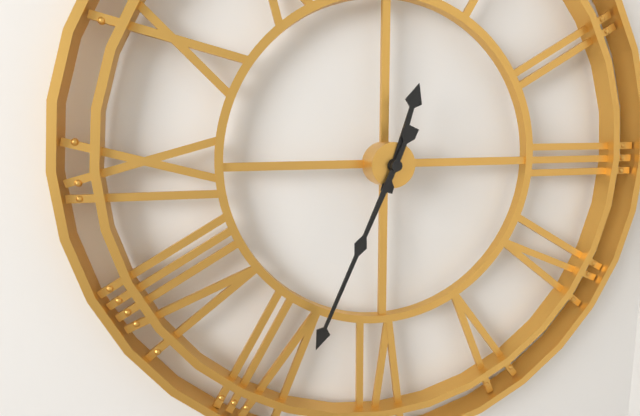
12:34
